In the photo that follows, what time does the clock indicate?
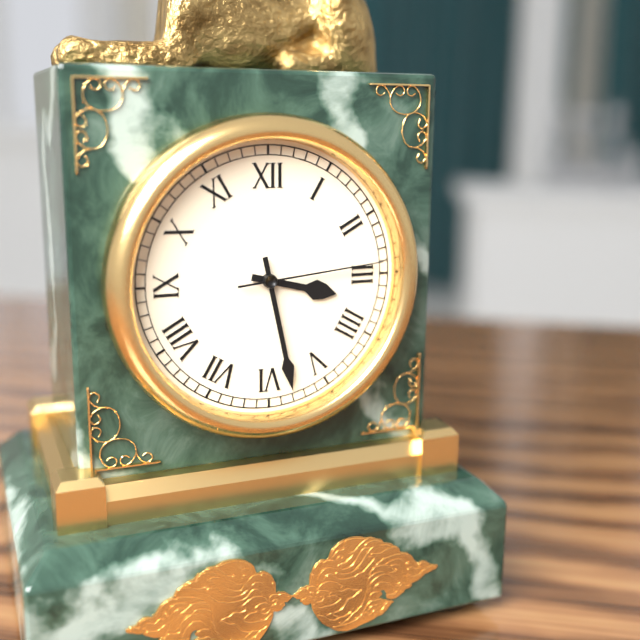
3:28:14
